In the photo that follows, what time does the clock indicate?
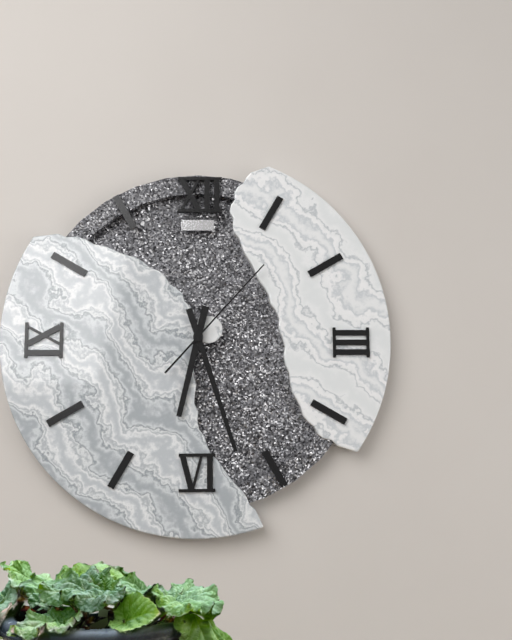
6:27:07
